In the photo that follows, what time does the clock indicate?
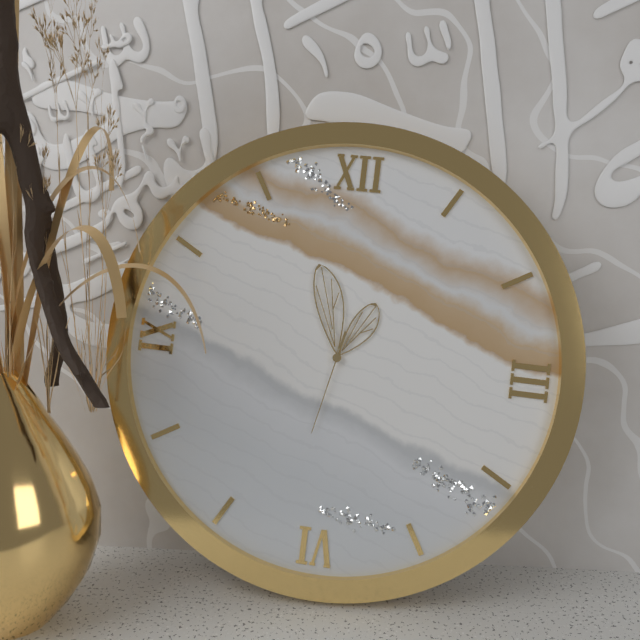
12:57:32
